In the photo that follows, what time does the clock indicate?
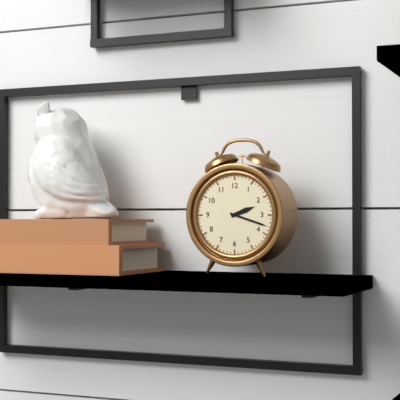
2:18
